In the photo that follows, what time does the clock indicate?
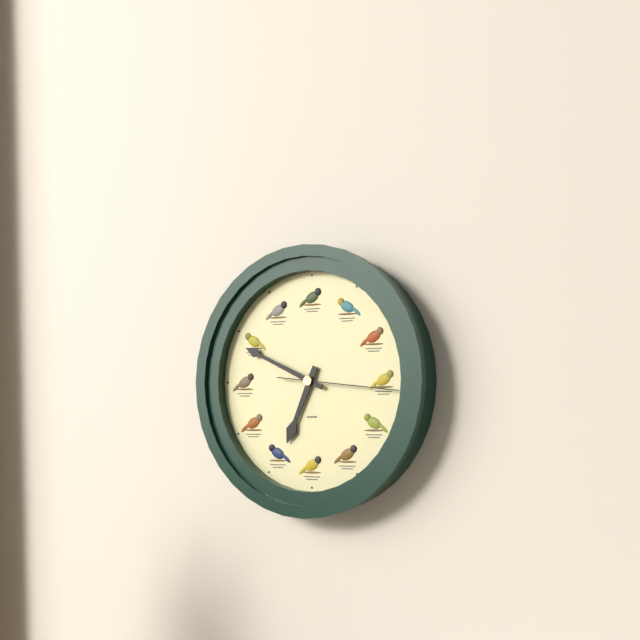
6:49:16
